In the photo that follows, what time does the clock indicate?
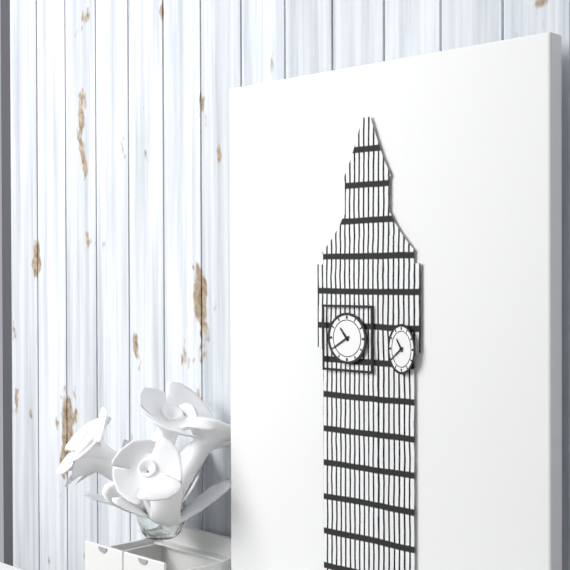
10:40
